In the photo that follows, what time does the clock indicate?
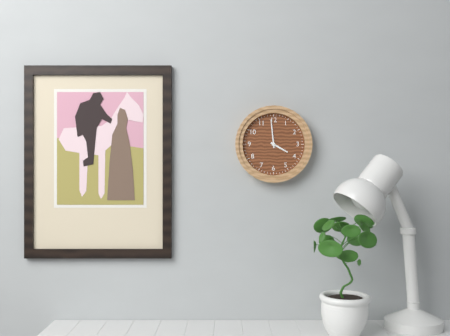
3:59
